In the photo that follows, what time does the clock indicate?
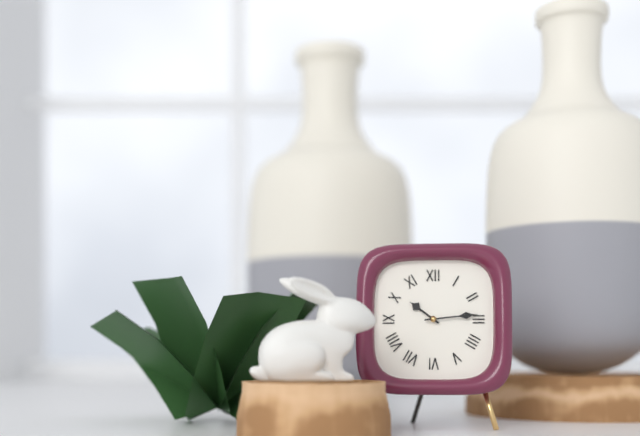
10:14
